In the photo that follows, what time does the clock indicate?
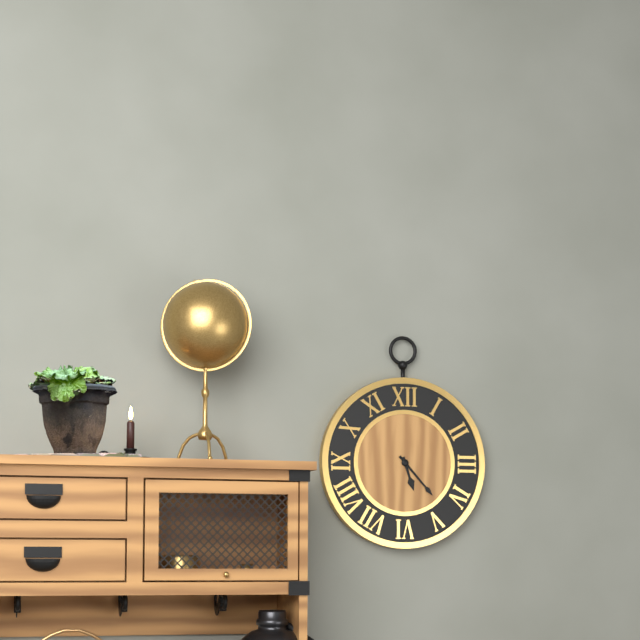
5:23
